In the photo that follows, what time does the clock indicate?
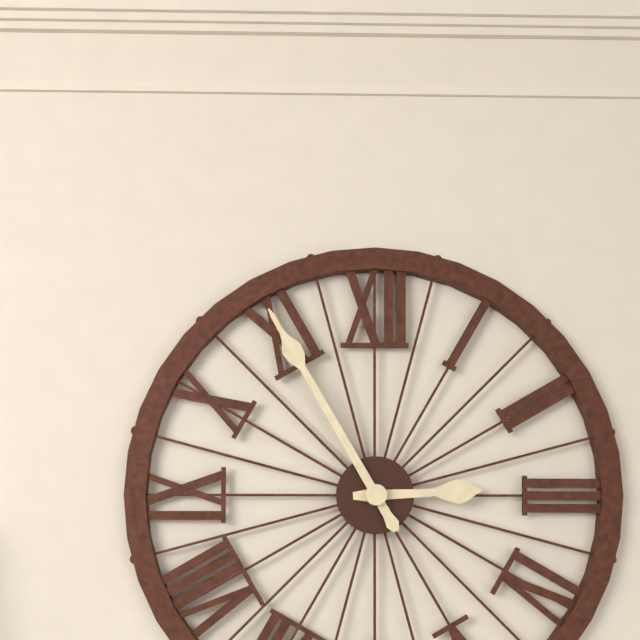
2:55
